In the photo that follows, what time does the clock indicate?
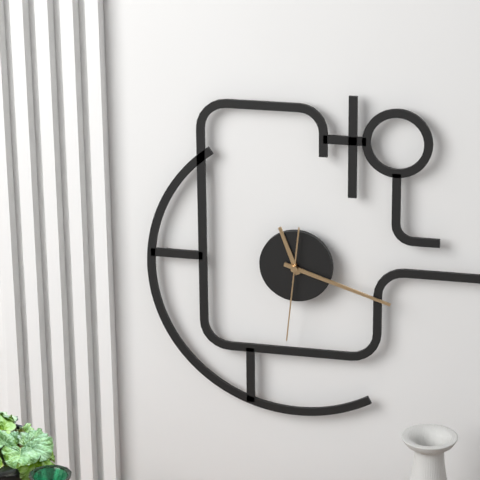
11:18:31
